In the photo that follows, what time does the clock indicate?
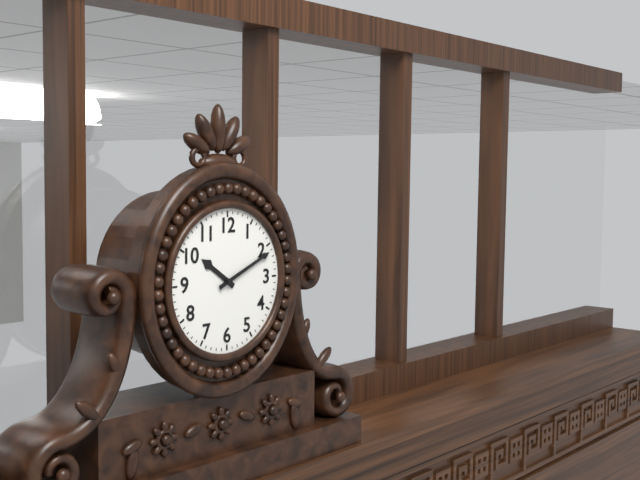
10:11
